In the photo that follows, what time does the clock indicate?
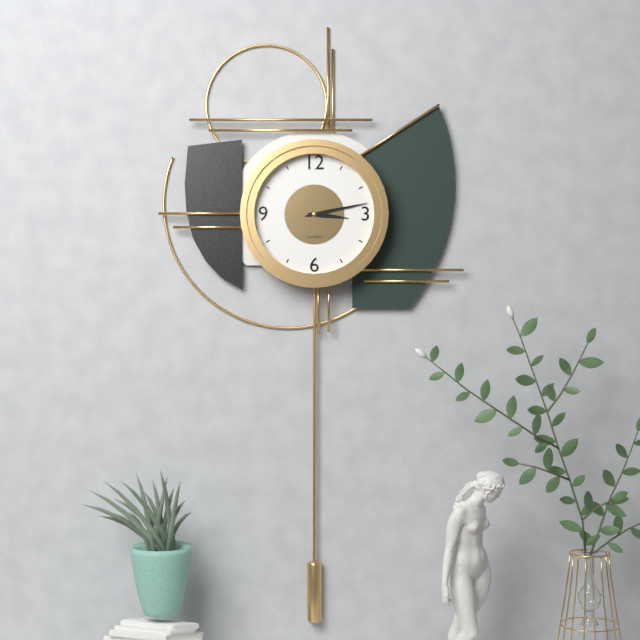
3:13
